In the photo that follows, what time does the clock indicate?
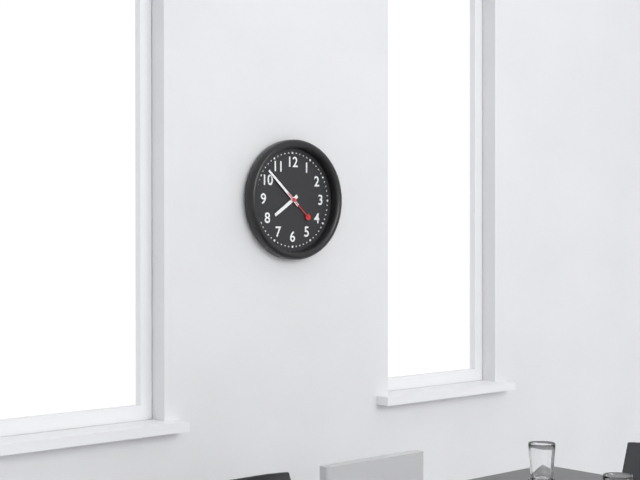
7:52
